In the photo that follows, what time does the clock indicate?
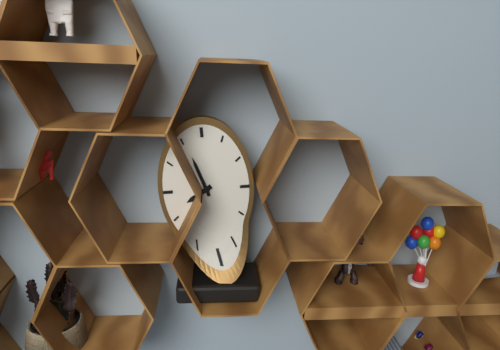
7:57
